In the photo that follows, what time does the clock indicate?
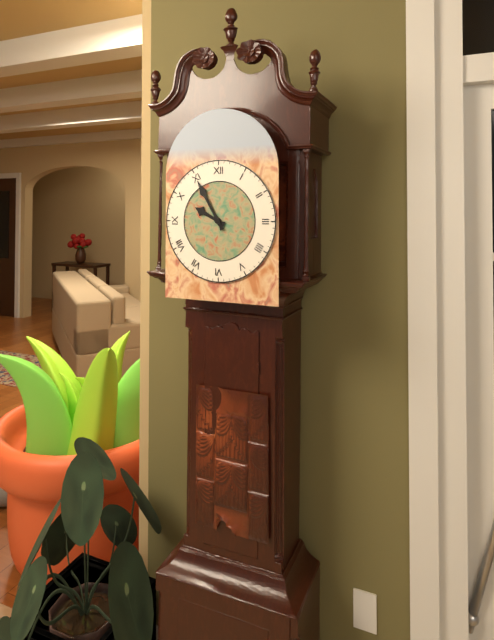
9:55
